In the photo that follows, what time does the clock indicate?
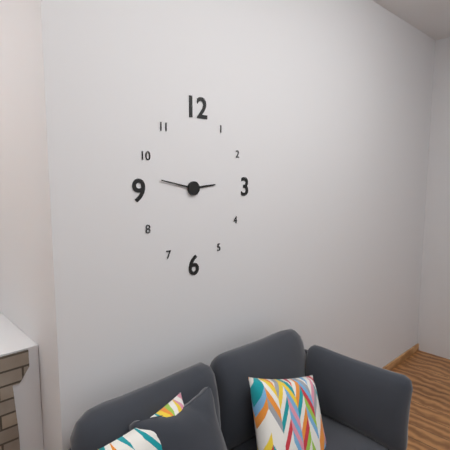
2:47
